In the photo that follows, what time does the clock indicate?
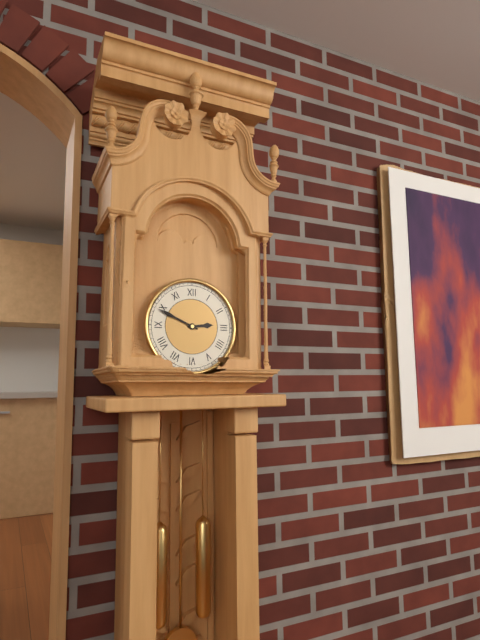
2:49
